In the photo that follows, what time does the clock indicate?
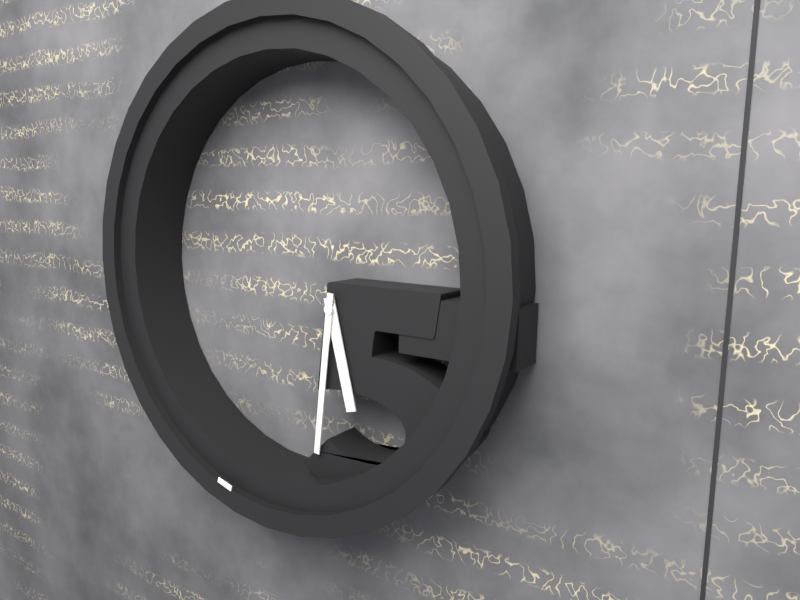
5:31
